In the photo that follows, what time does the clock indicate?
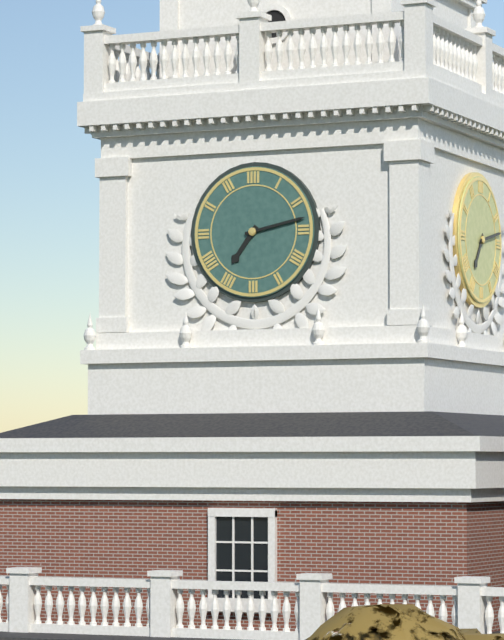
7:13
